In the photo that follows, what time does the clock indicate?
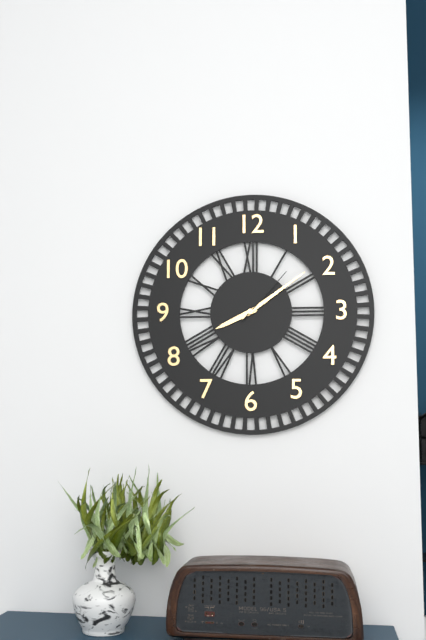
8:09:07
